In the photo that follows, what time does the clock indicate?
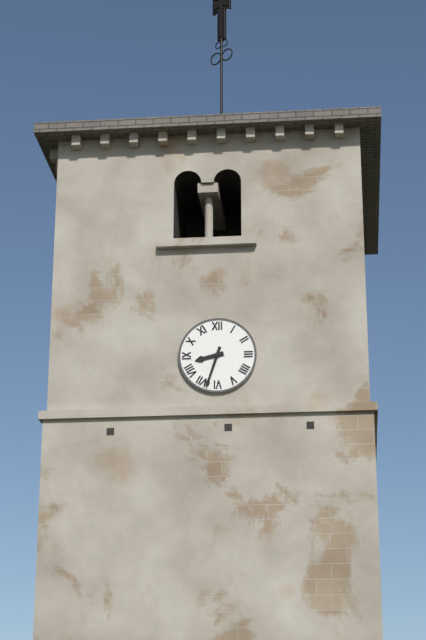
8:33
